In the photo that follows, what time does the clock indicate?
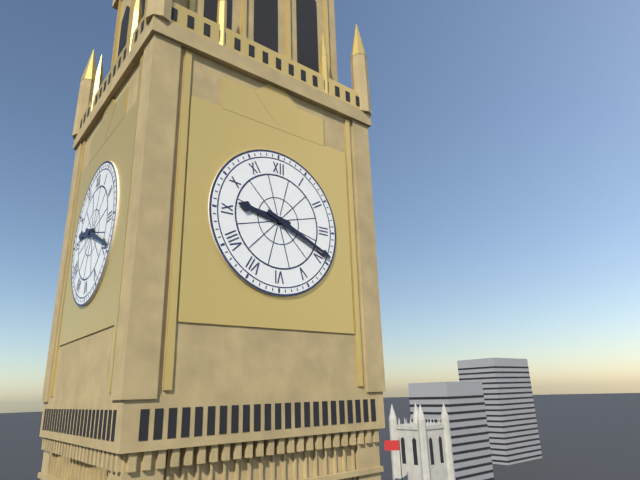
9:19
